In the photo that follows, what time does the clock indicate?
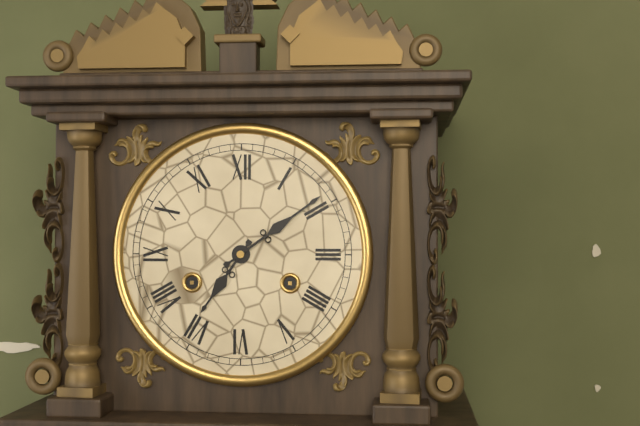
7:09
